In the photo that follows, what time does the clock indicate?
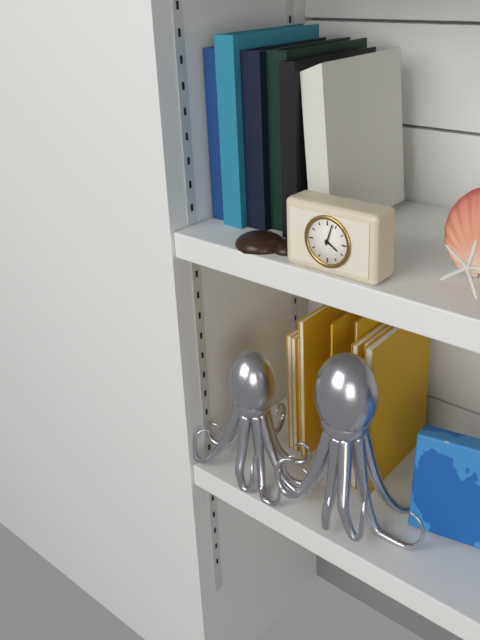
4:03
